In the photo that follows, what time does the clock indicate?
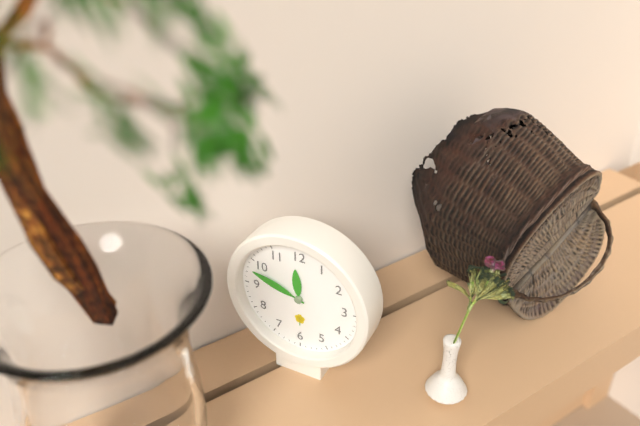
11:48
